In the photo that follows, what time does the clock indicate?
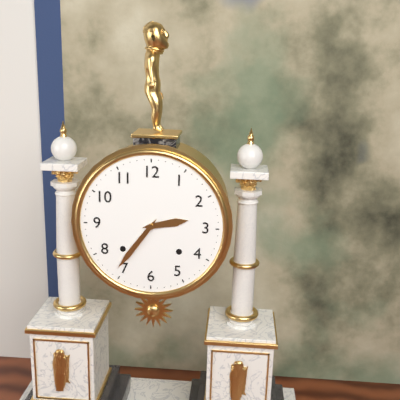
2:36
